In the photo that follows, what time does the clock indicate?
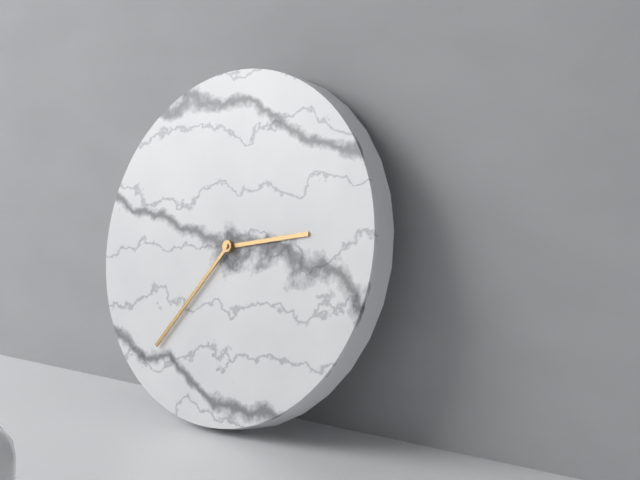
2:36
